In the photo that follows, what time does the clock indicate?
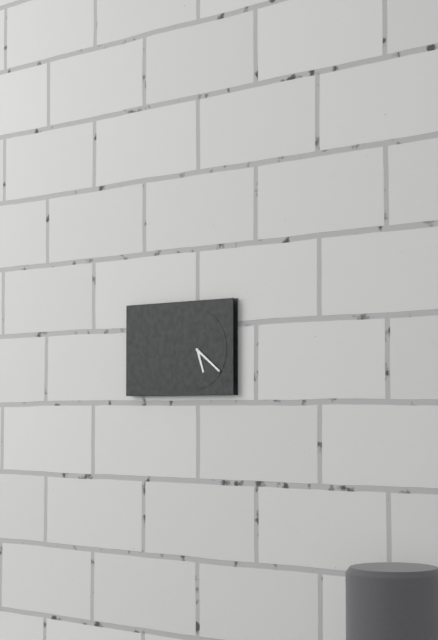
5:21
